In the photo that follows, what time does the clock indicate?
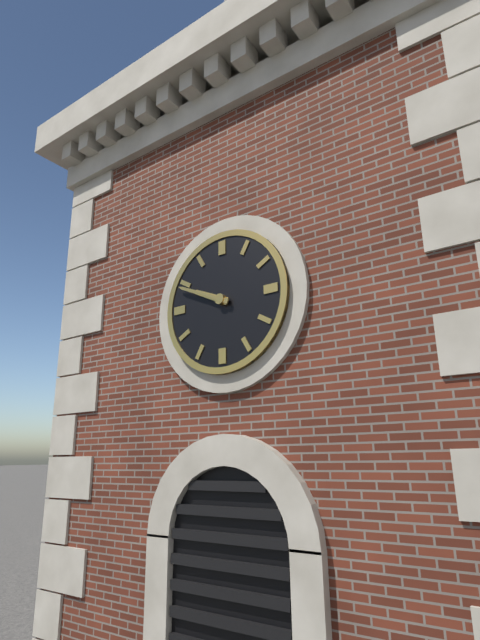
9:49
